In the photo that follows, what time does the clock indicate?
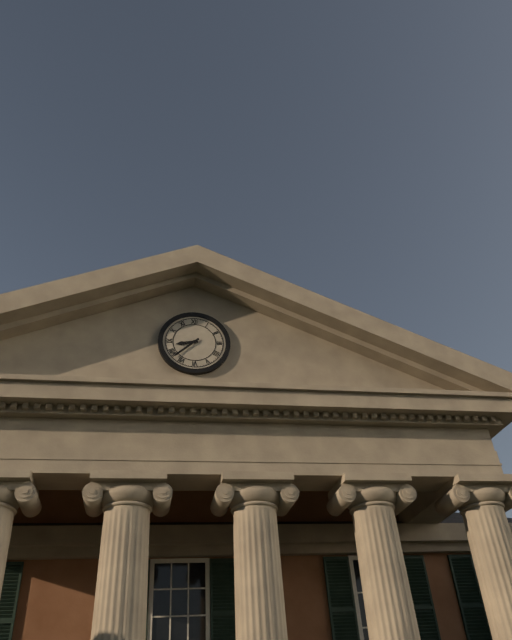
8:38
